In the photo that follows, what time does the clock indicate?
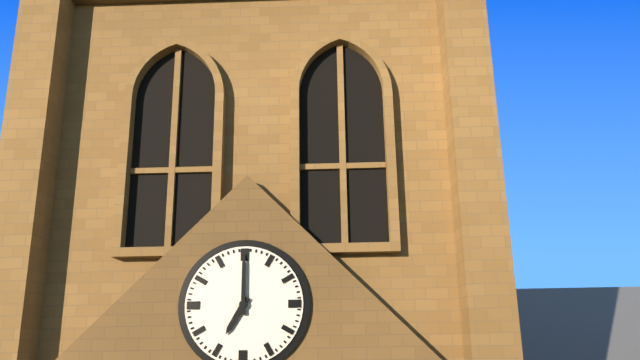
7:00
